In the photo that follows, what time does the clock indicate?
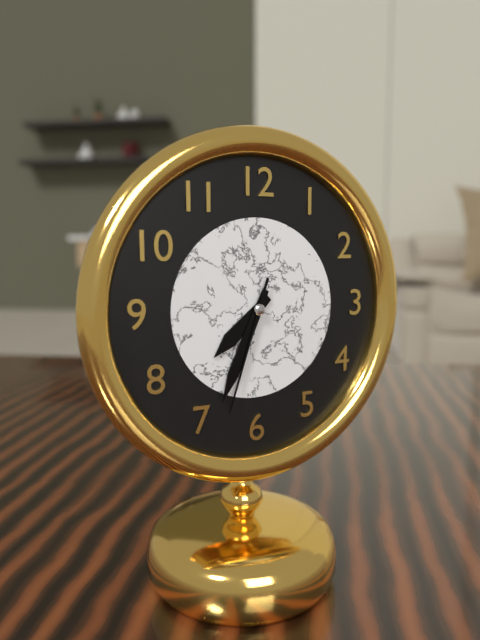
7:34:33
